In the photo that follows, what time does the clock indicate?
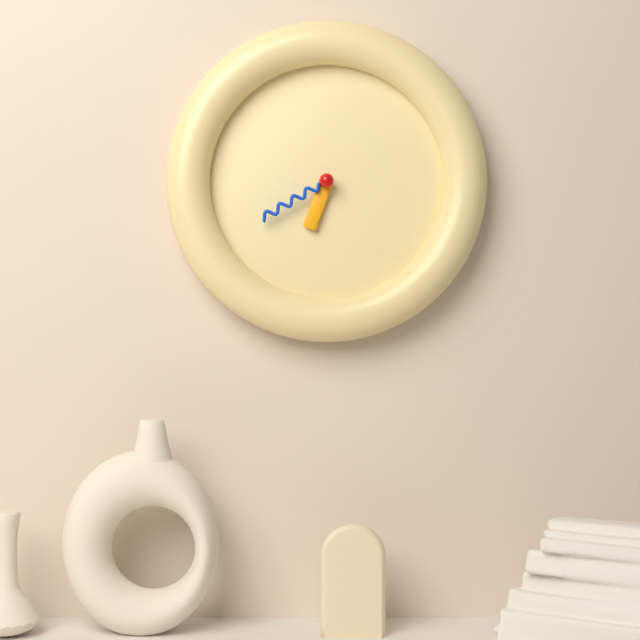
6:40
